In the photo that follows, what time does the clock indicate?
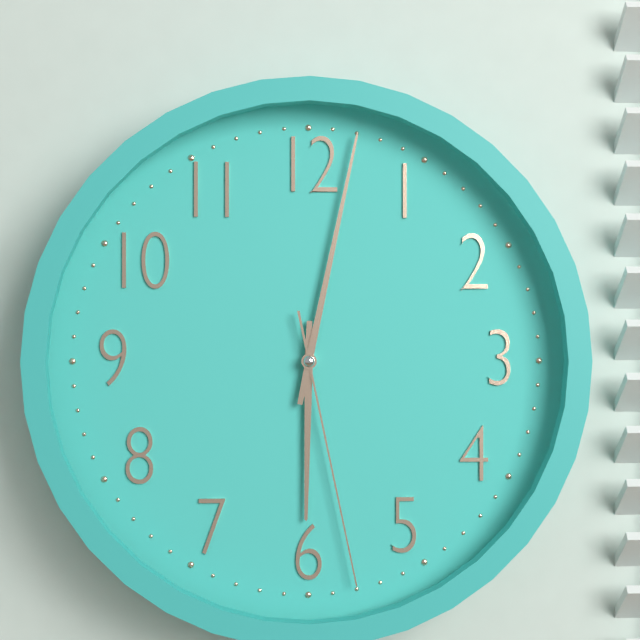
6:02:28
